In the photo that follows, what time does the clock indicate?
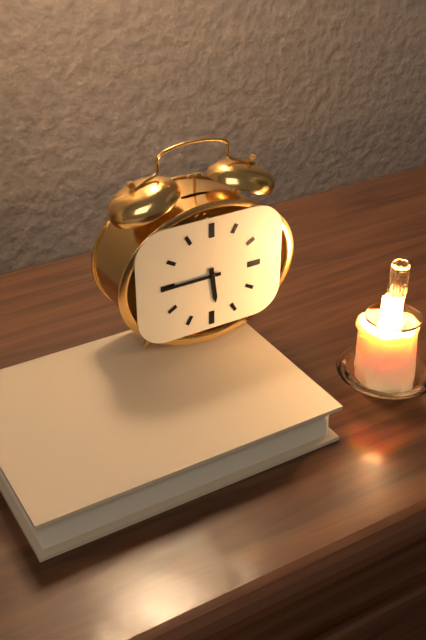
5:45
